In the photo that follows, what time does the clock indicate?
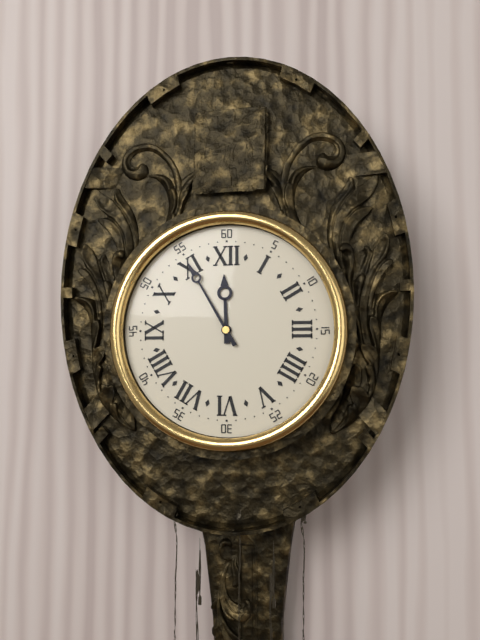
11:55
